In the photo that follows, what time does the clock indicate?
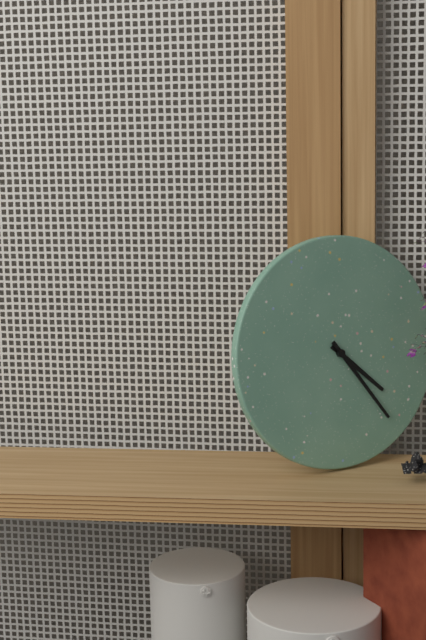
4:24
